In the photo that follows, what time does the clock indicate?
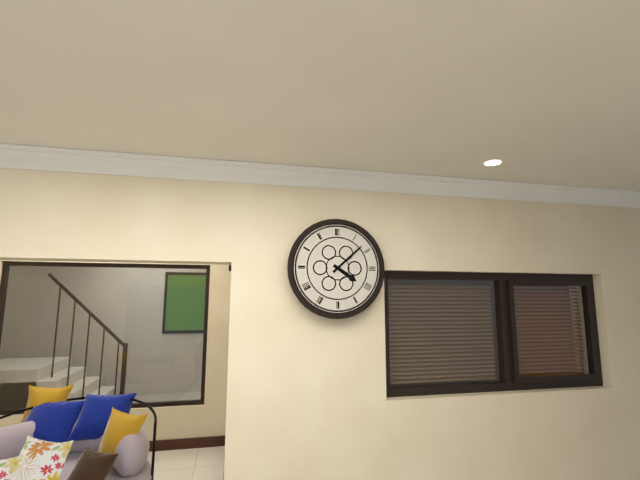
4:08
